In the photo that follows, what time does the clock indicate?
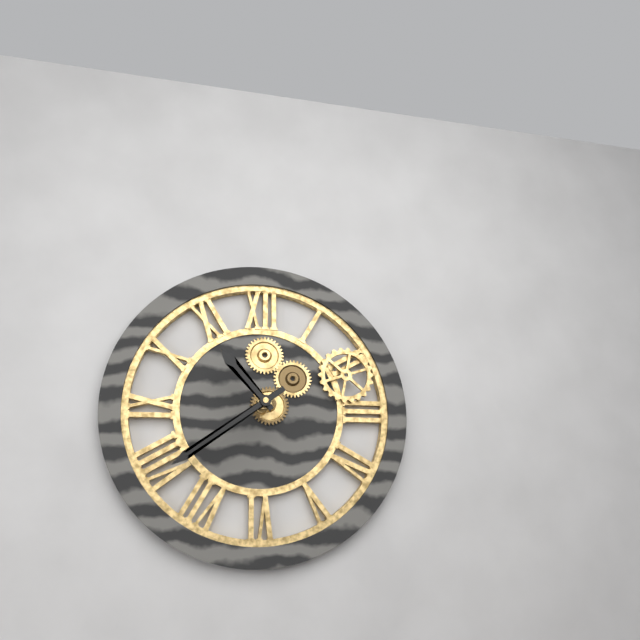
10:39
